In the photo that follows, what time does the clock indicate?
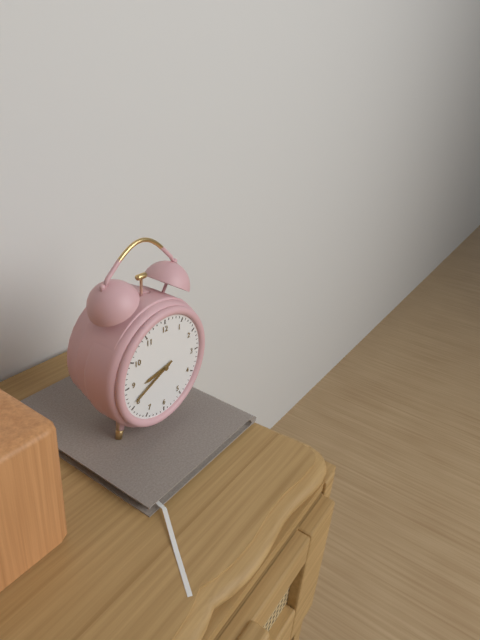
8:41
